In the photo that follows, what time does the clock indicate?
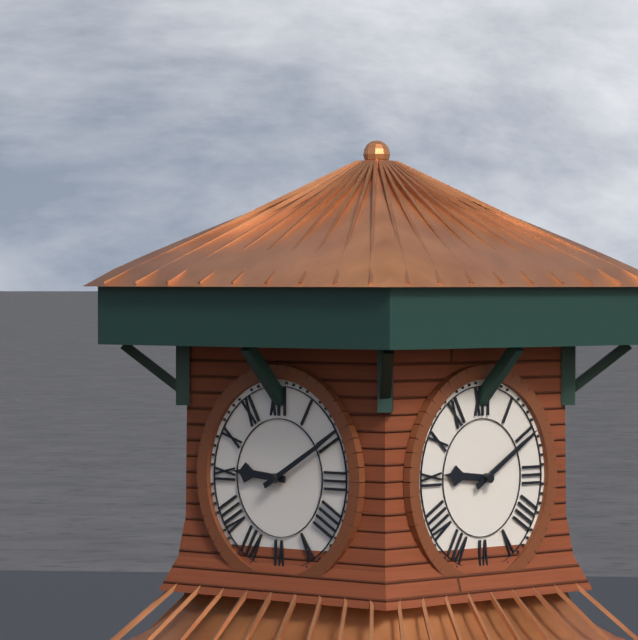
9:10
